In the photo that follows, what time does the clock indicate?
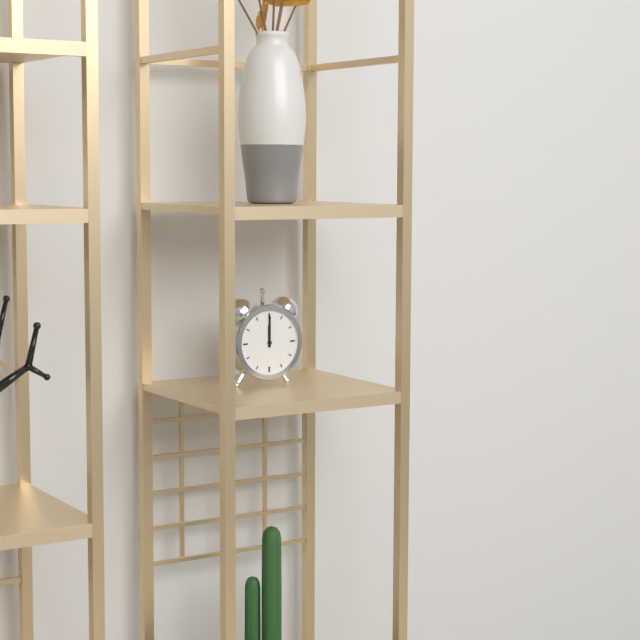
12:00
